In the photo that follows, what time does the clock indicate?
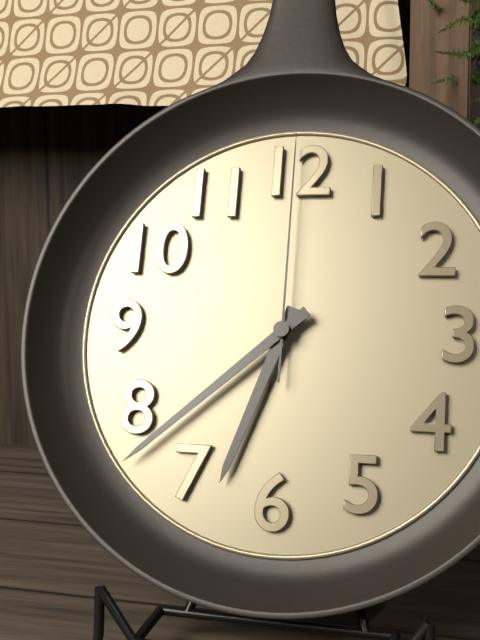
6:38:00
